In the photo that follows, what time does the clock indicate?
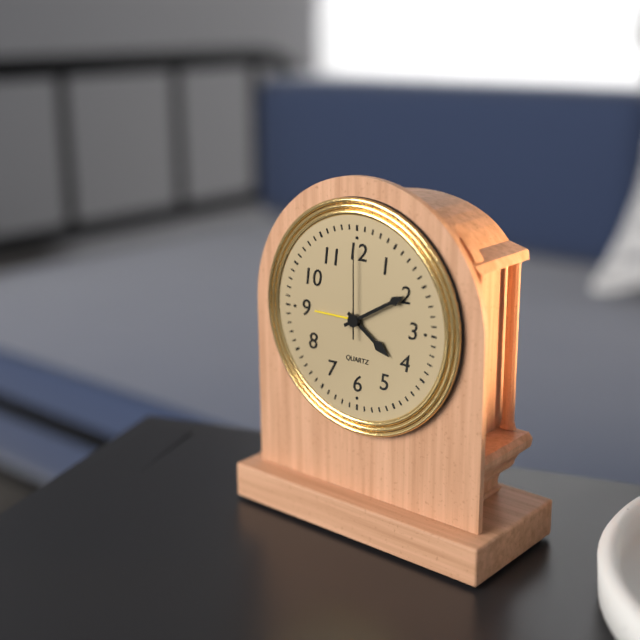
4:10:00
